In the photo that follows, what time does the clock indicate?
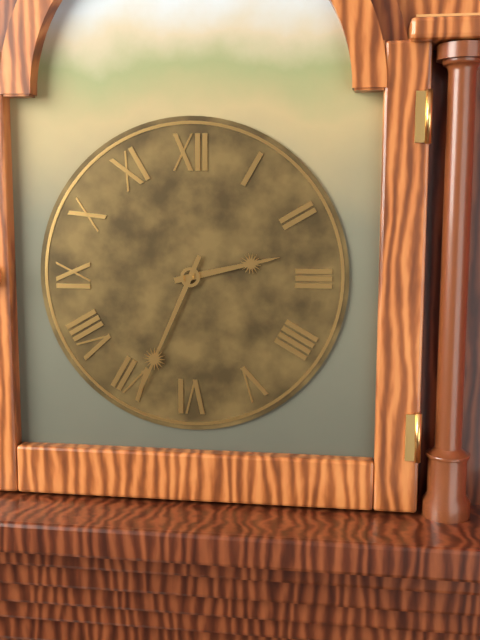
2:34
